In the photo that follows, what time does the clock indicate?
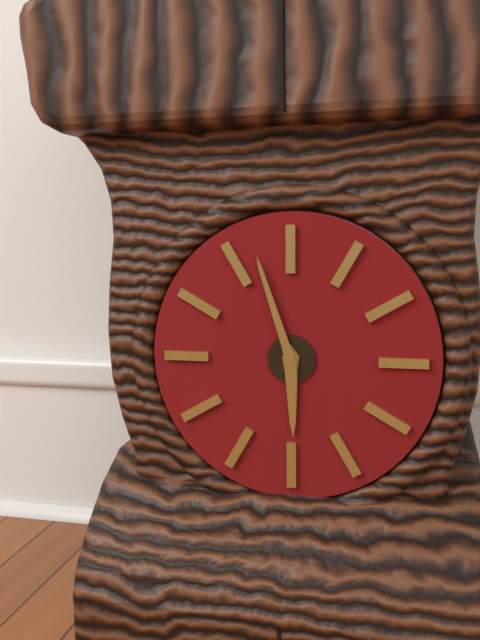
5:57
